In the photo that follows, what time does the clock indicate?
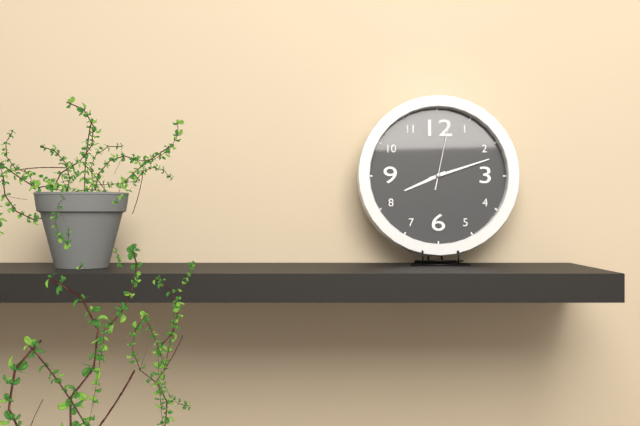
8:12:02
